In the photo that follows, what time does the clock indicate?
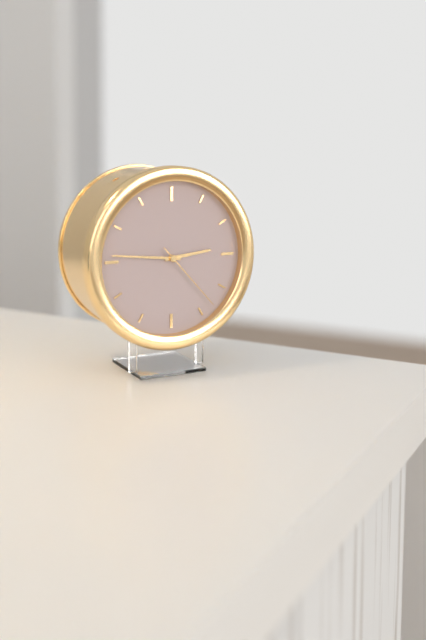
2:46:23
